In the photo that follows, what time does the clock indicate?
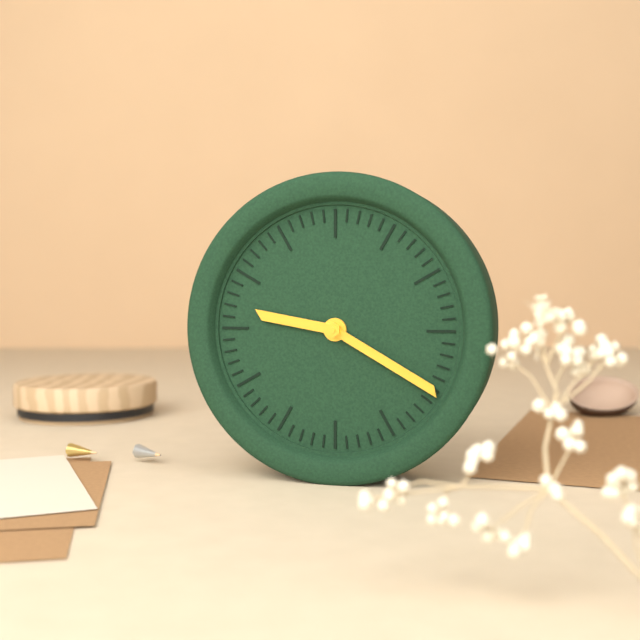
9:20
